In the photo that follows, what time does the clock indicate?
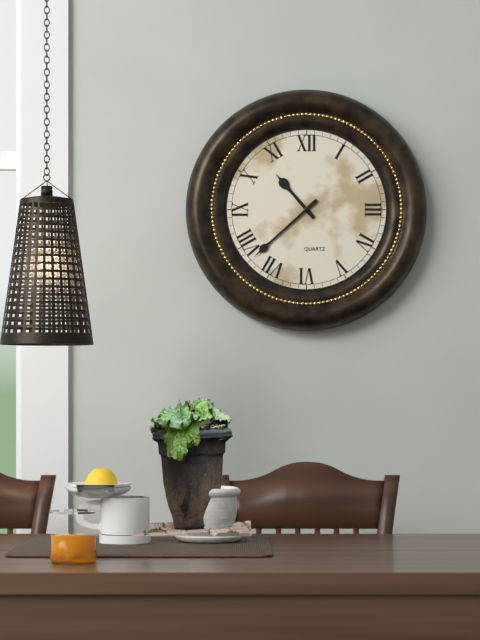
10:38
